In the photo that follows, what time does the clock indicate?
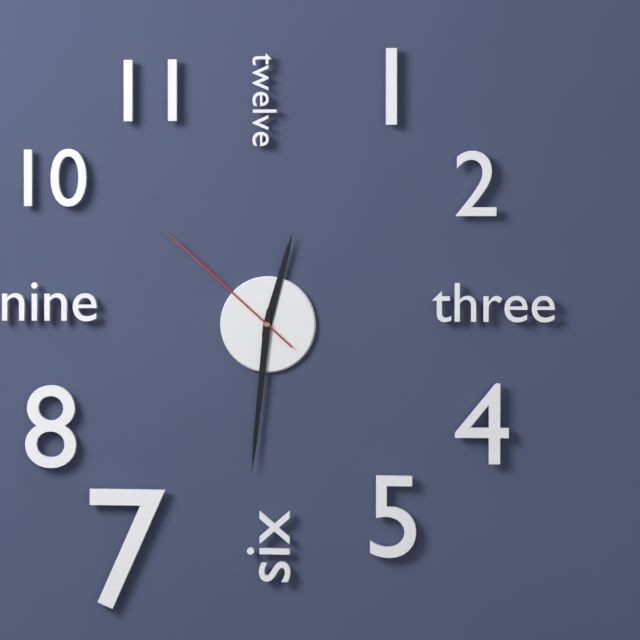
12:31:52
